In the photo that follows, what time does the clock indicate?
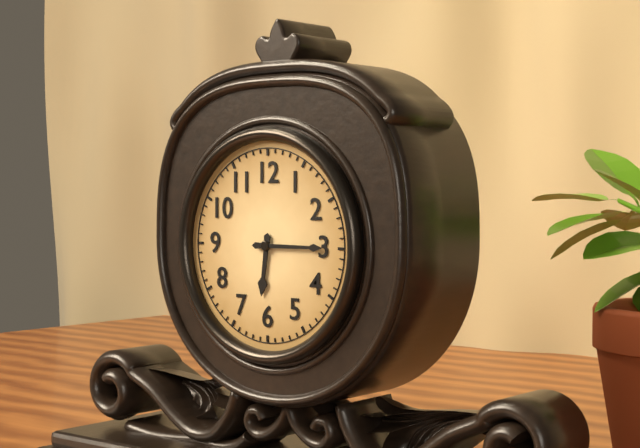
6:15
